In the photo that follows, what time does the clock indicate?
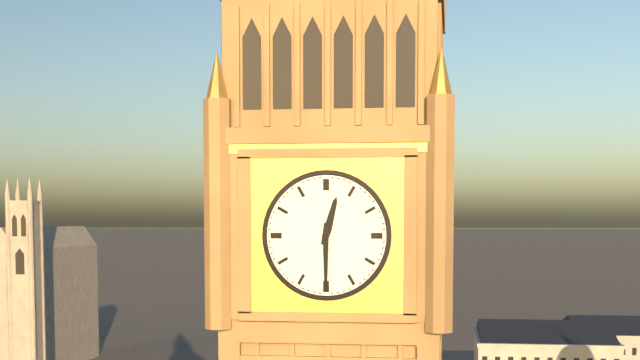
12:30
